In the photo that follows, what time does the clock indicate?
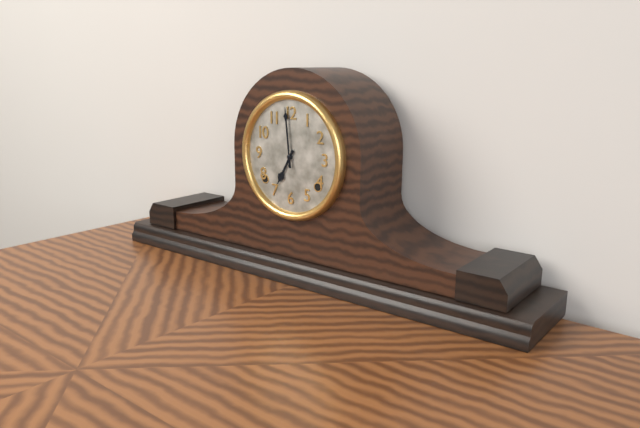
6:59
